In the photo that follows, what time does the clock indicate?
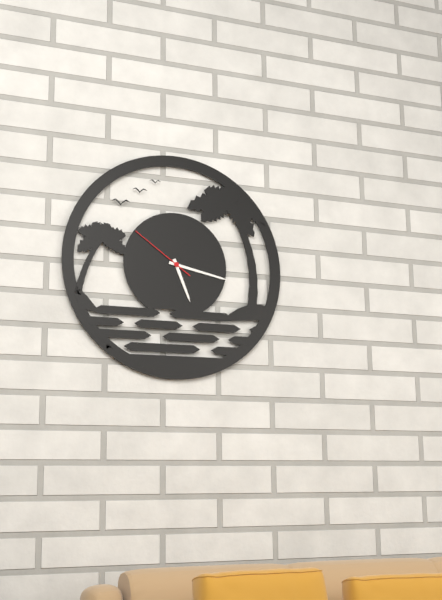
5:17:51
